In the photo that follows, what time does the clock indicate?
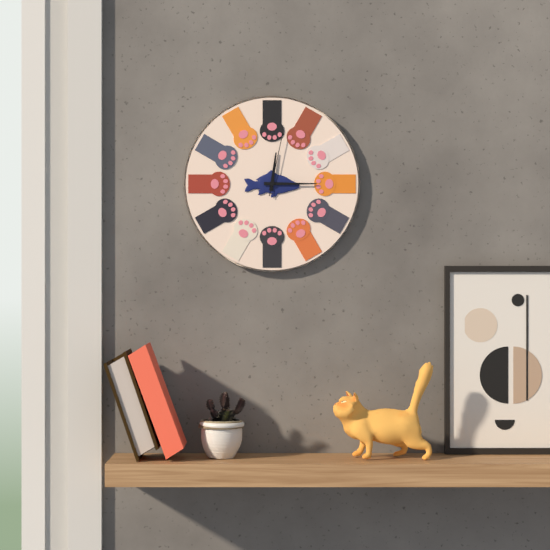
12:15:02
